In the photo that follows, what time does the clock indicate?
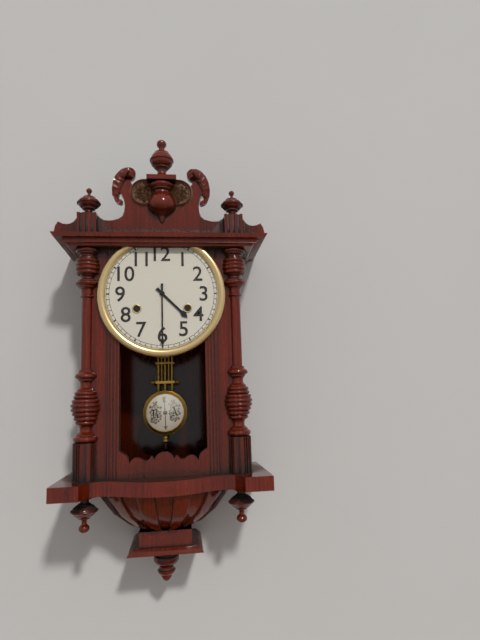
4:30
